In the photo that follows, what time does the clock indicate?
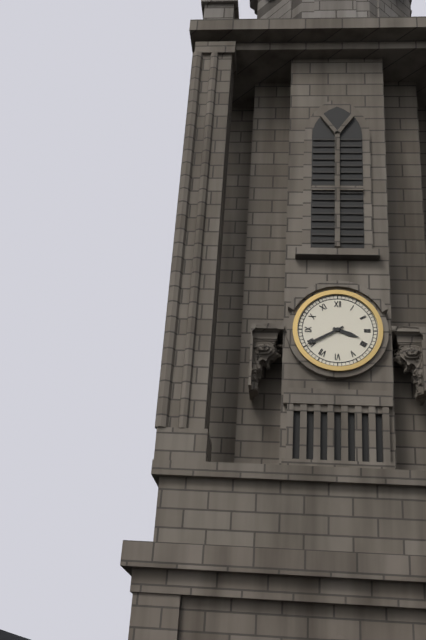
3:40
